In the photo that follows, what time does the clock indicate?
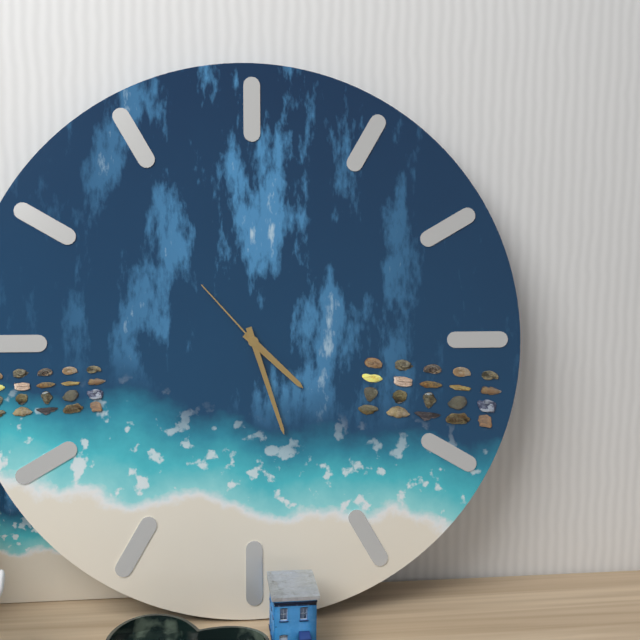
4:27:53
